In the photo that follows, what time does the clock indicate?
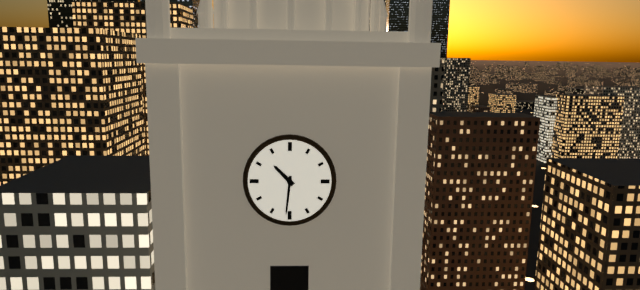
10:31
